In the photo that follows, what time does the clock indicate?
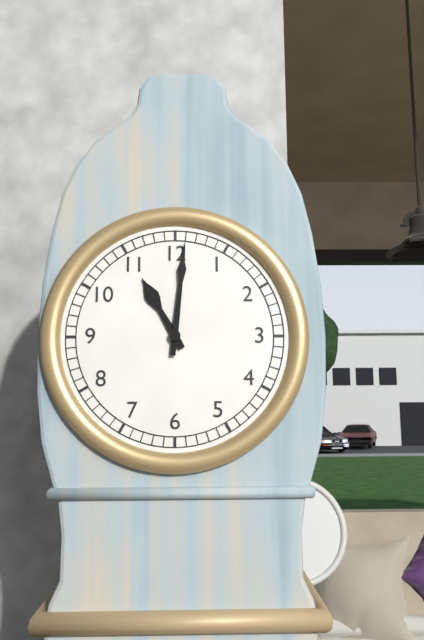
11:01
